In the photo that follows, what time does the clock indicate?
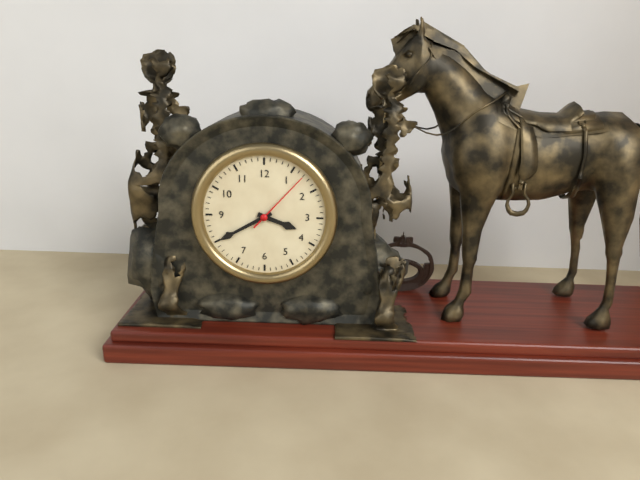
3:40:07
